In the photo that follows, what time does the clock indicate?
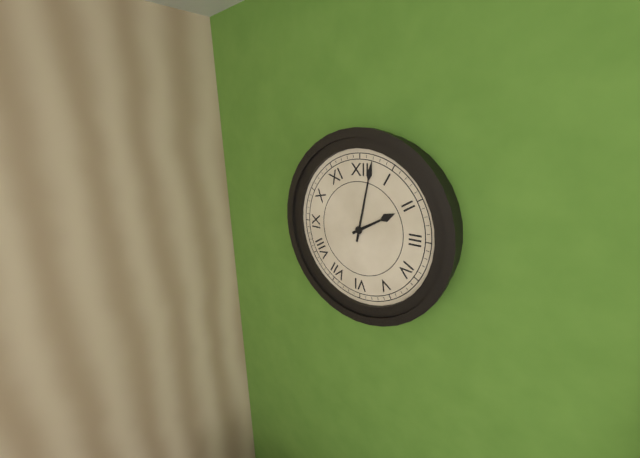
2:02
